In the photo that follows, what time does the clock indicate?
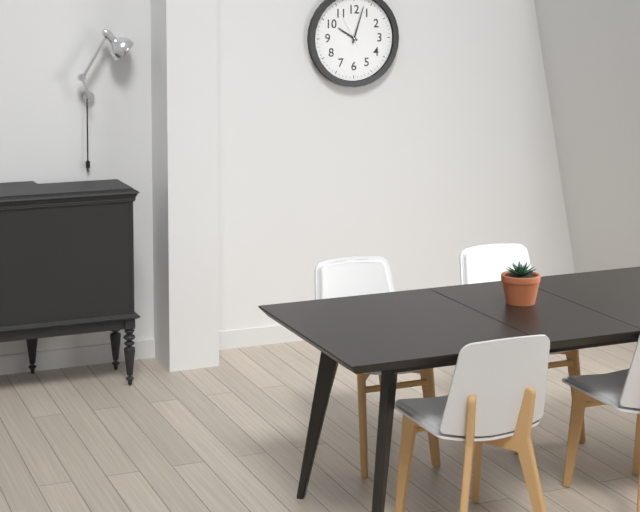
10:03
